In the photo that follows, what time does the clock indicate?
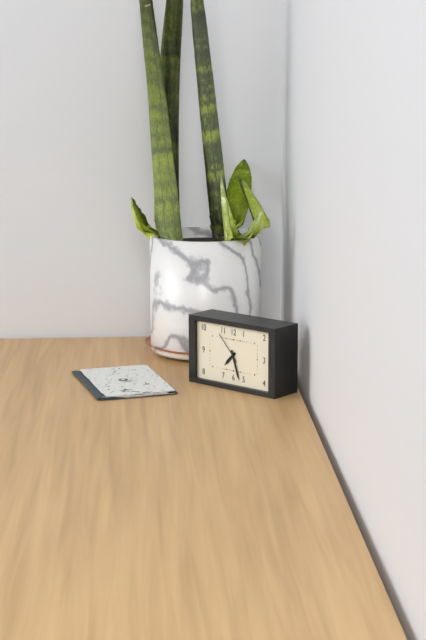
7:27
